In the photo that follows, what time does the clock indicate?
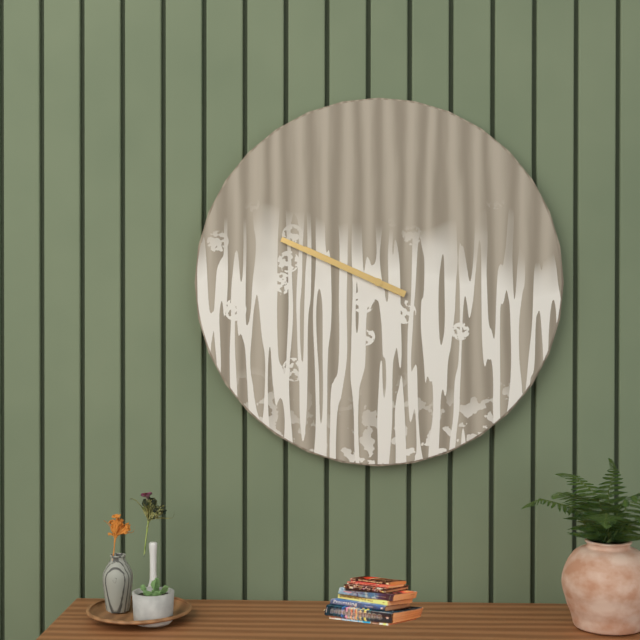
9:49
